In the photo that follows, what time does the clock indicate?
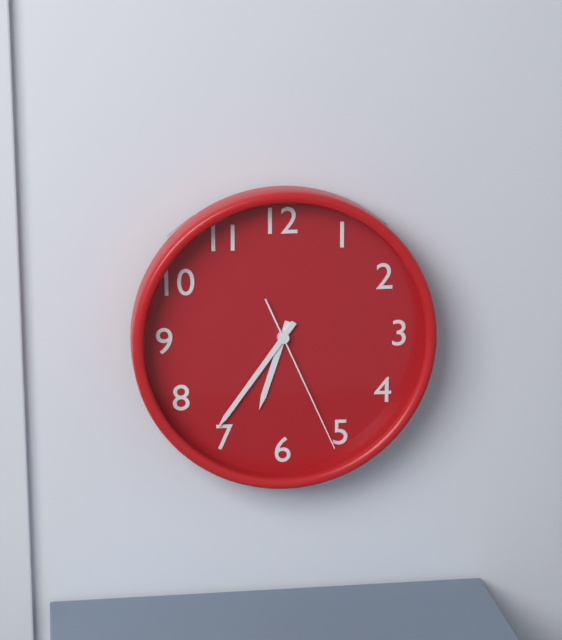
6:36:26
